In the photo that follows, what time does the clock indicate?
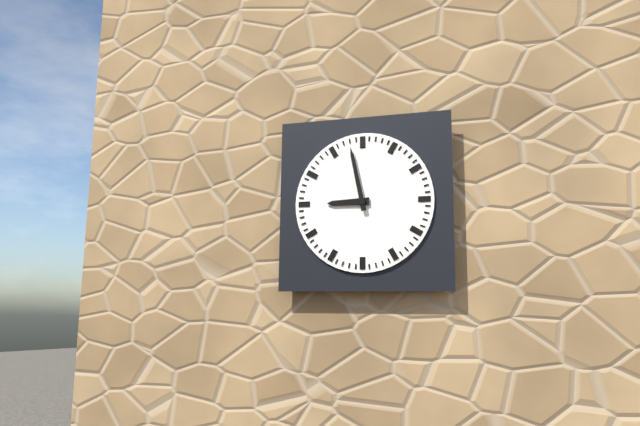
8:58
